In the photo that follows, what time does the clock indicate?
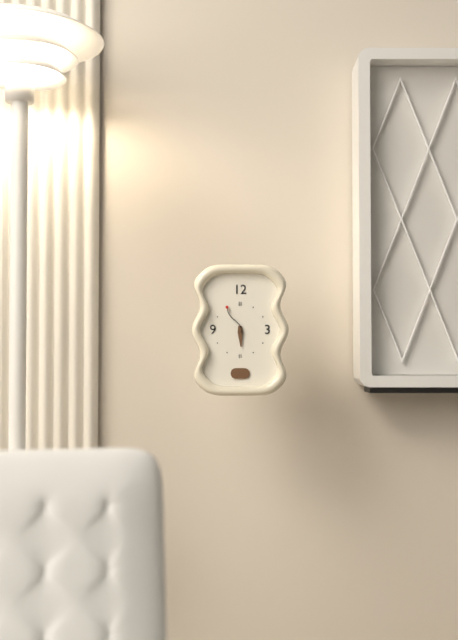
5:55
